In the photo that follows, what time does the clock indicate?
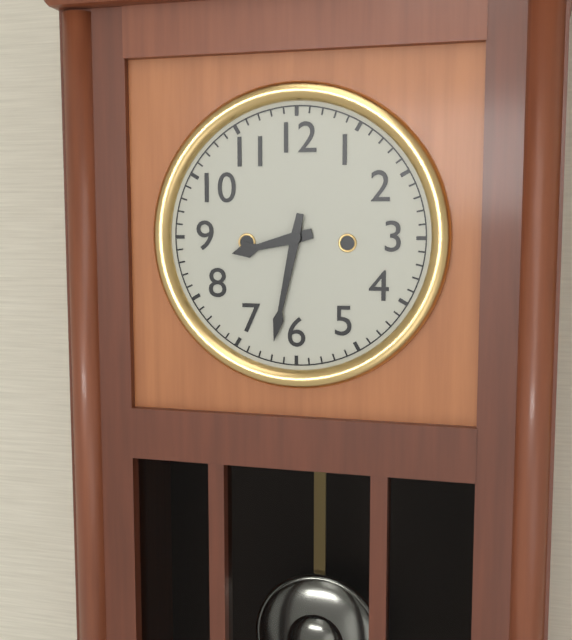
8:32
